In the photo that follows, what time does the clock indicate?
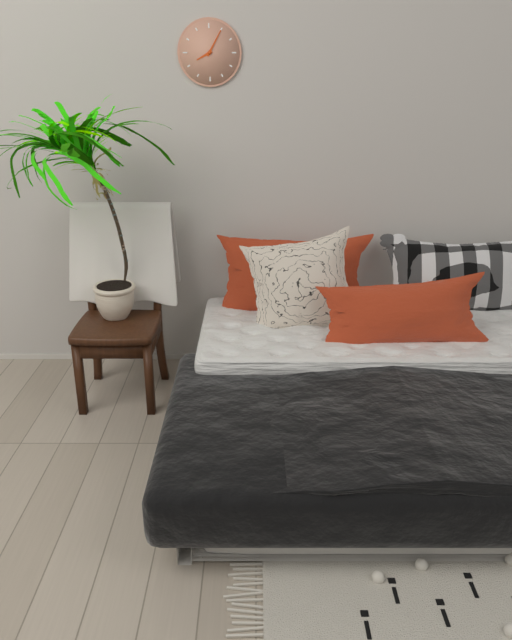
8:05
